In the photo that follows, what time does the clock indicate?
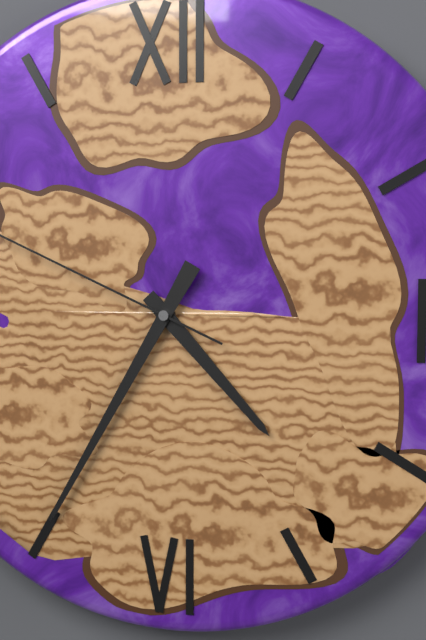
4:35
